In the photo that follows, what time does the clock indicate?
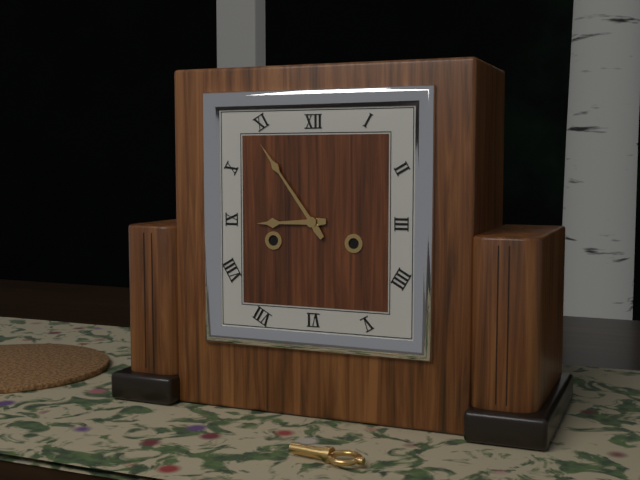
8:54
